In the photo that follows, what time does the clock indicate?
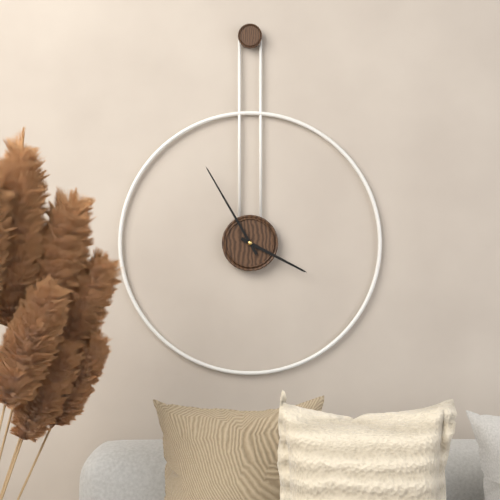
3:55
